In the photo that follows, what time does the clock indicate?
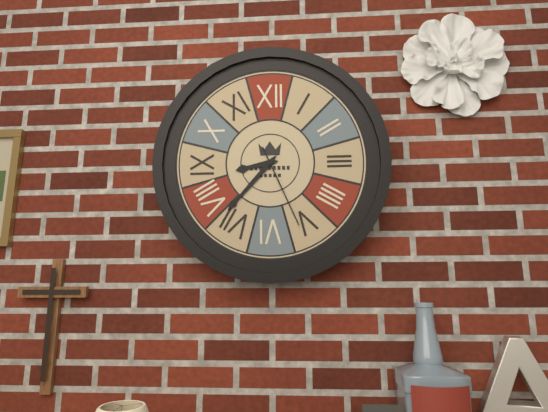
8:37:26
